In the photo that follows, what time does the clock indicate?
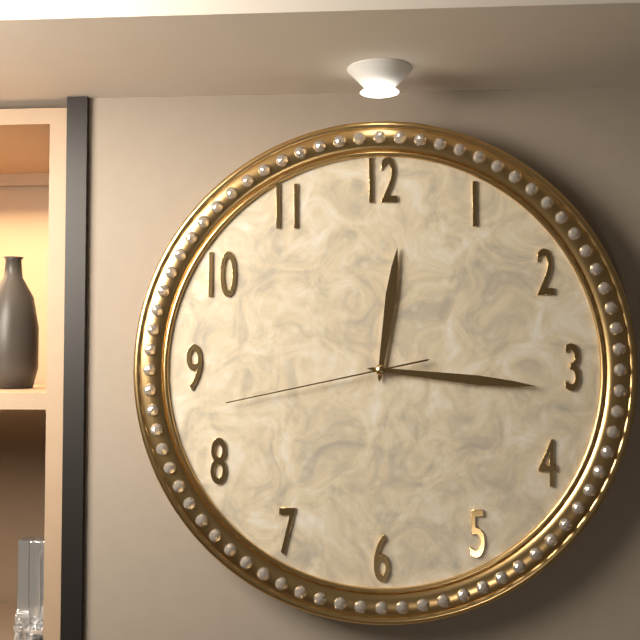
12:16:43
